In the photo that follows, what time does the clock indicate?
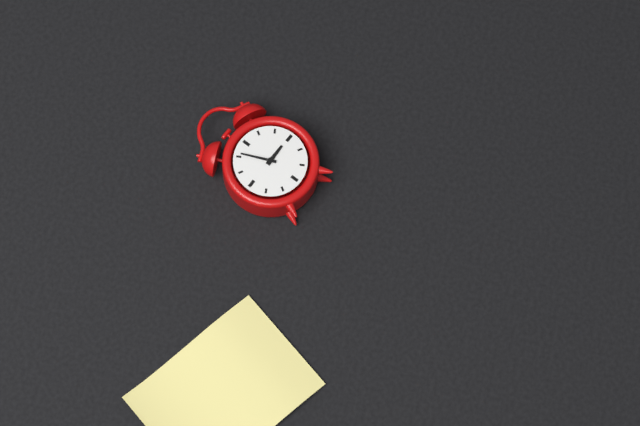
2:56
